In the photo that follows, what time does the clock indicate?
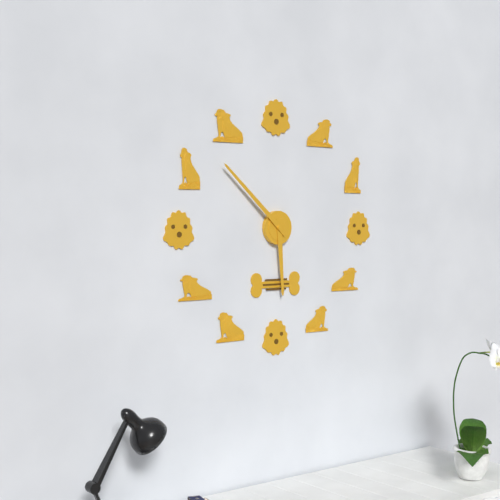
5:52
